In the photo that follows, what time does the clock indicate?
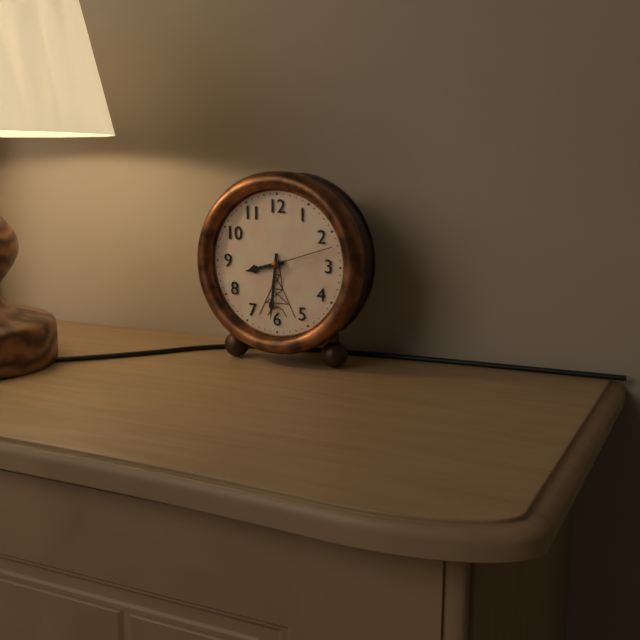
8:31:12
